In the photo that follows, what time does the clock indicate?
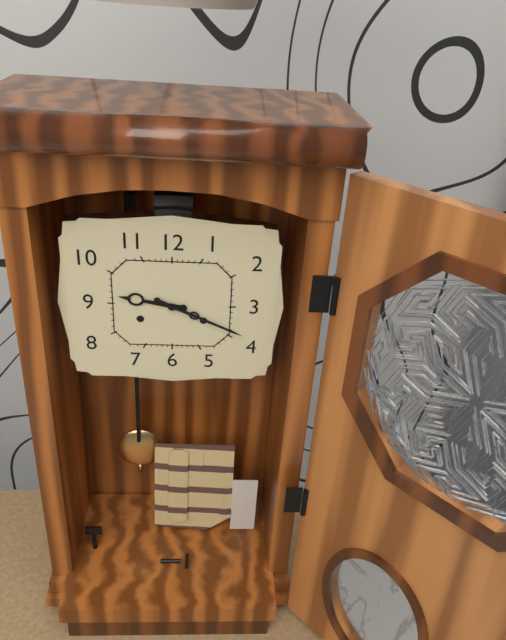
9:19
